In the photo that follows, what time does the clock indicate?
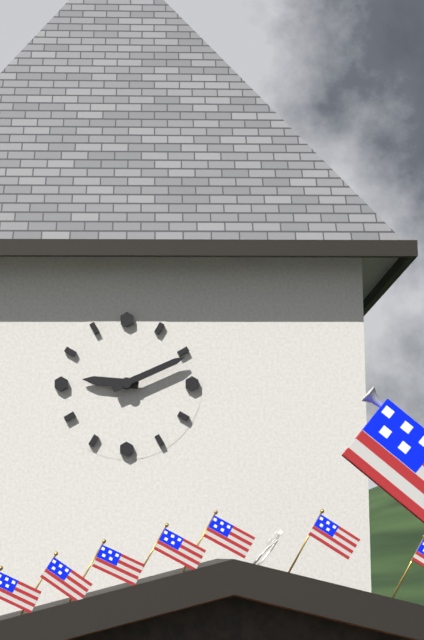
9:11
